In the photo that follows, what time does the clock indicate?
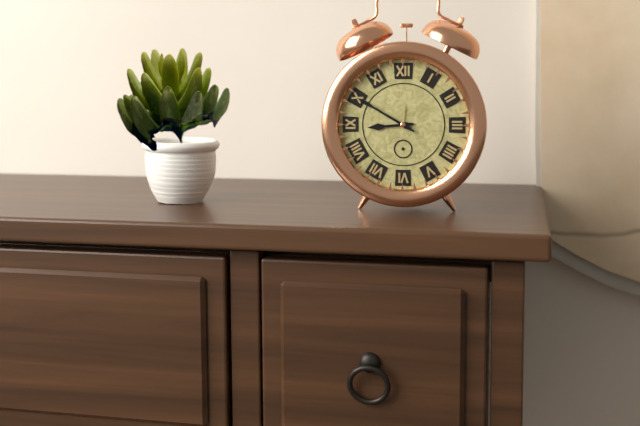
8:50
